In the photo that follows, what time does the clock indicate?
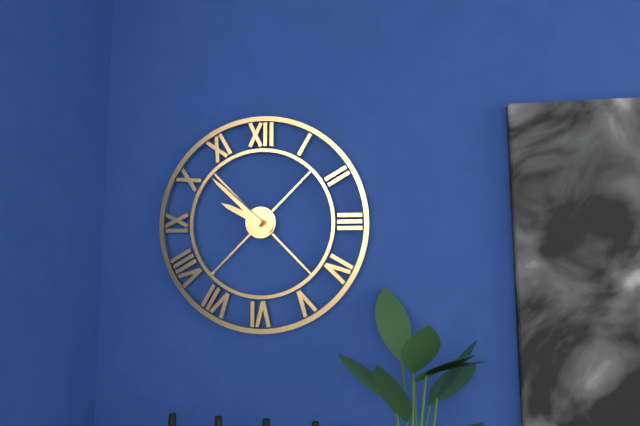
9:52
